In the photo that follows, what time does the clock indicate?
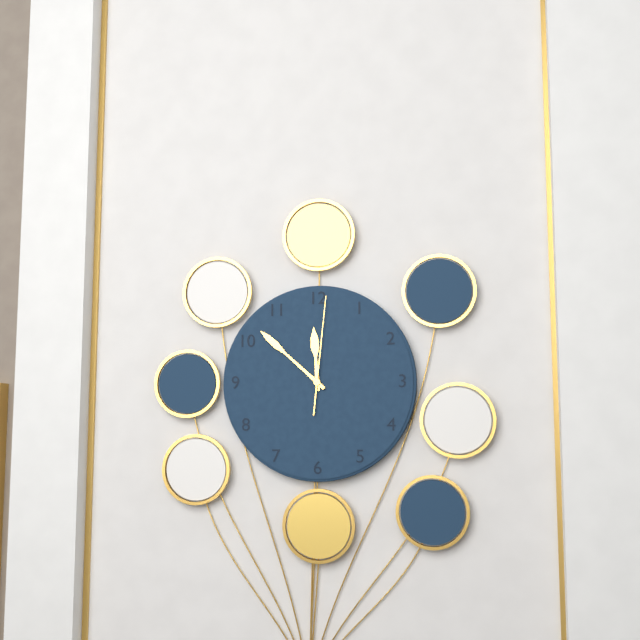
11:52:01
